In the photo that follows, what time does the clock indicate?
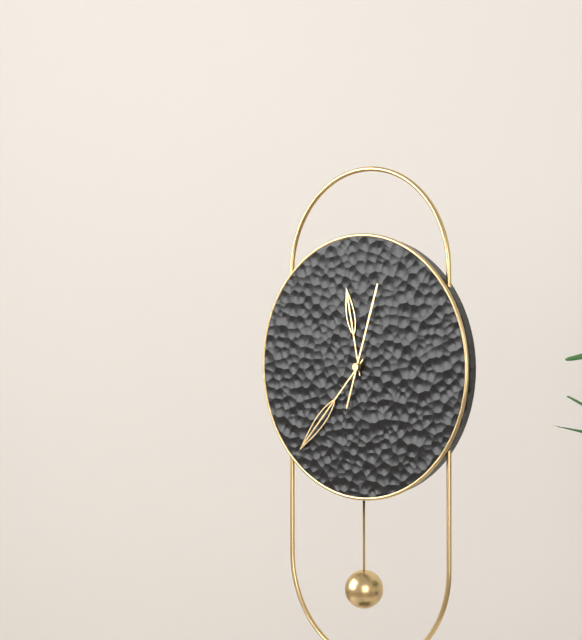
11:37:03
